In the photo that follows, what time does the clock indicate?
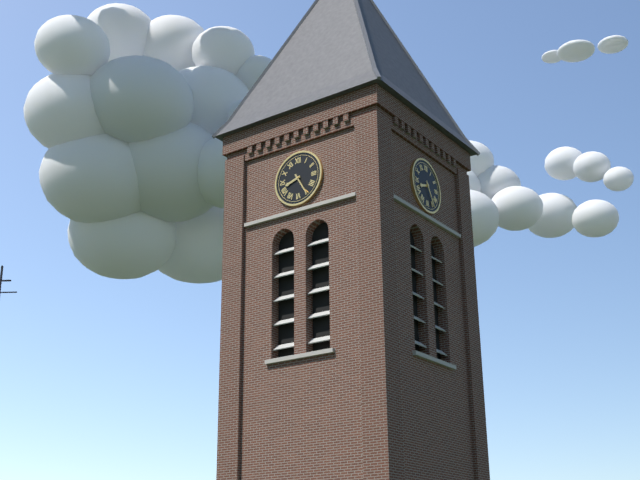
8:25
